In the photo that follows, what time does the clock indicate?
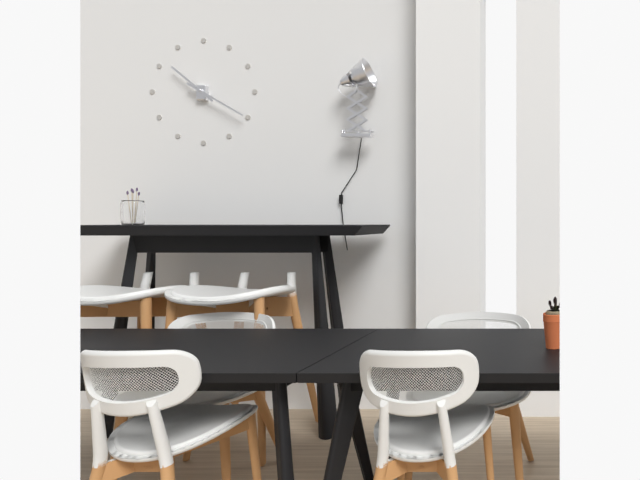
10:20
